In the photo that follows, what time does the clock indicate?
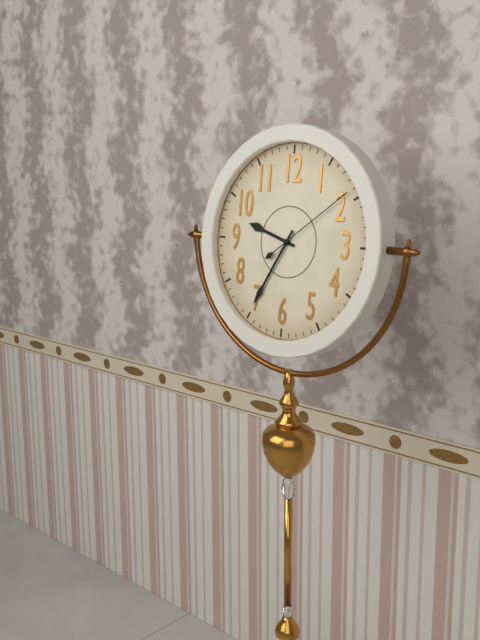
9:35:09
